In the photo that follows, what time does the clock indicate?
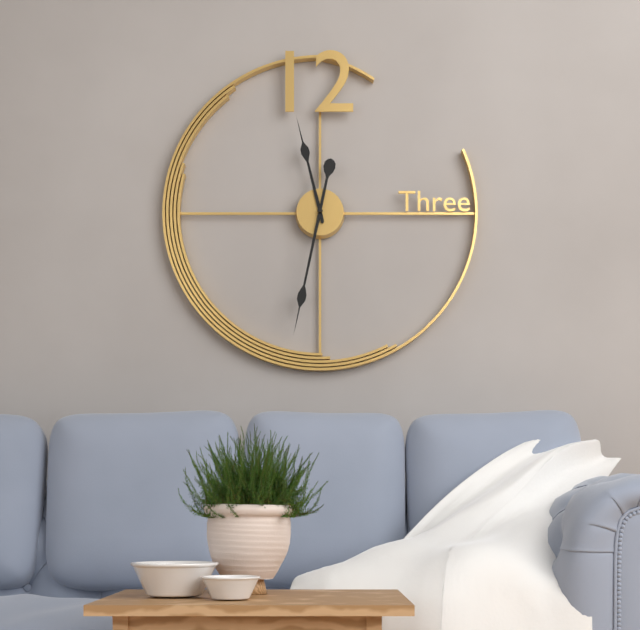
11:32
